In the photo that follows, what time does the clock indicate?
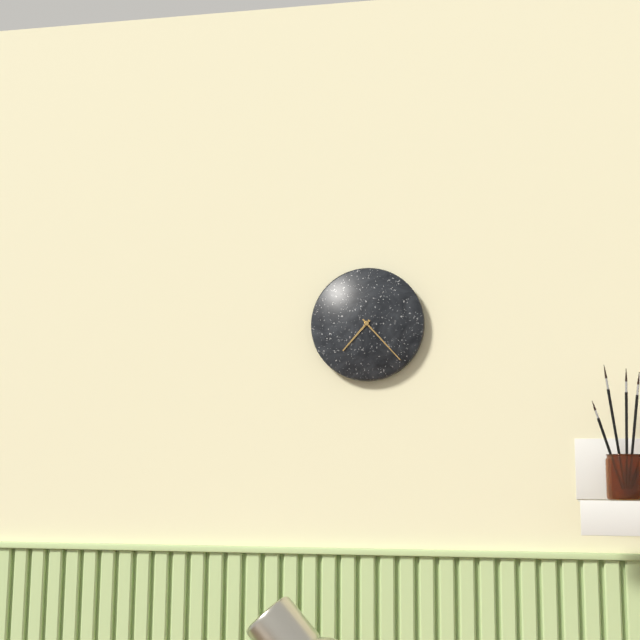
7:23
